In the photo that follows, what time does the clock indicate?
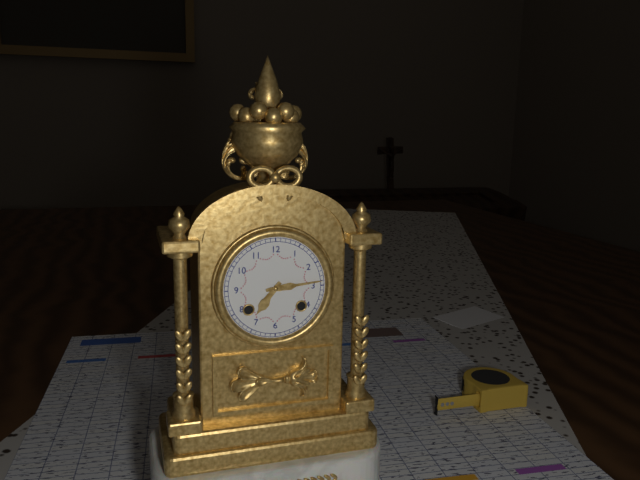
7:14
